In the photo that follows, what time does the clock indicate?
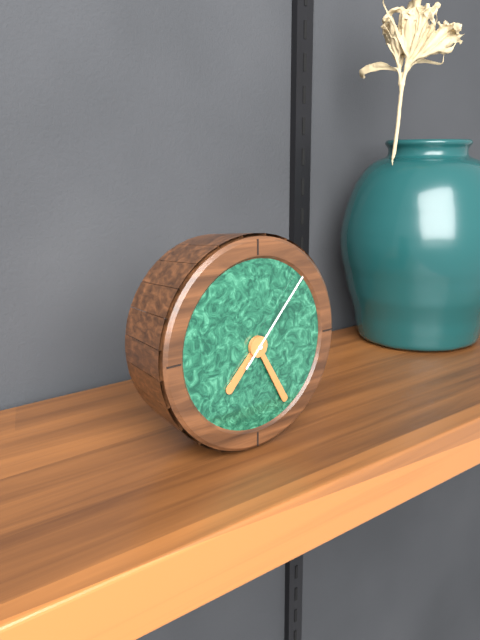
7:25:07
